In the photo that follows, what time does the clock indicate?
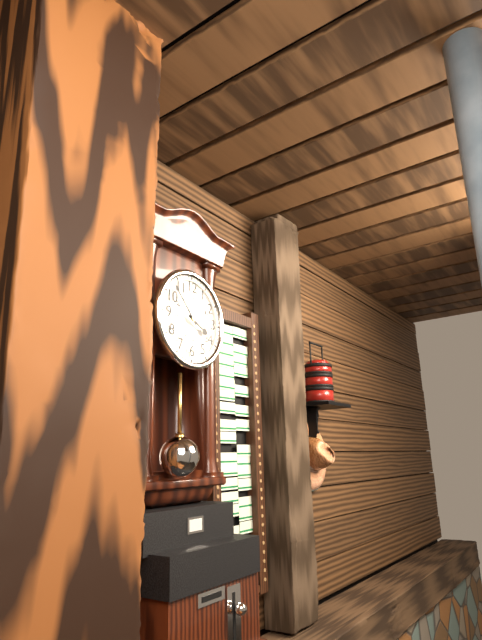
3:53
